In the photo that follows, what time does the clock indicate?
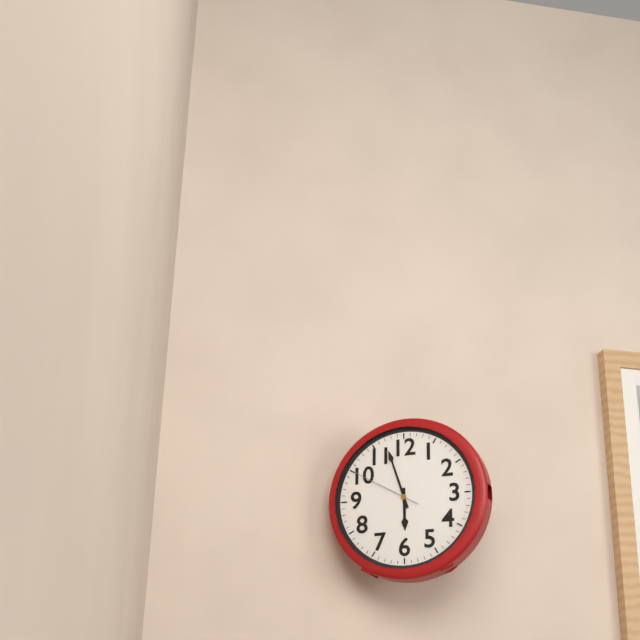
5:57:50
